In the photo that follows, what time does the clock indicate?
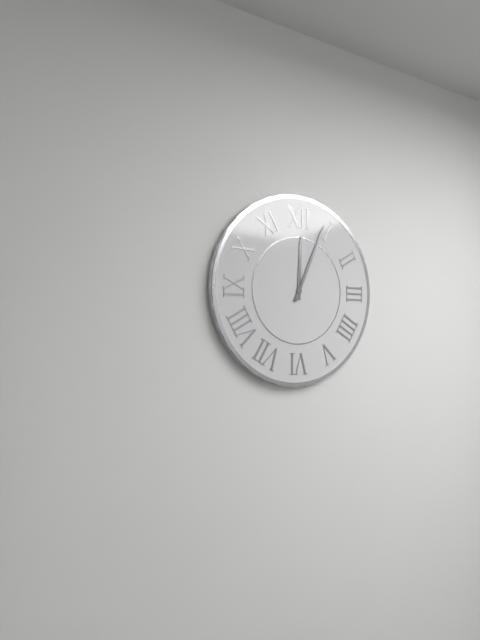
12:04
